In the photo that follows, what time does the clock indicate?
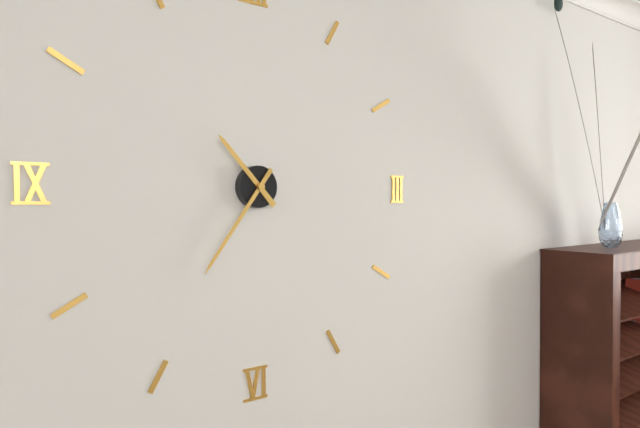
10:36
